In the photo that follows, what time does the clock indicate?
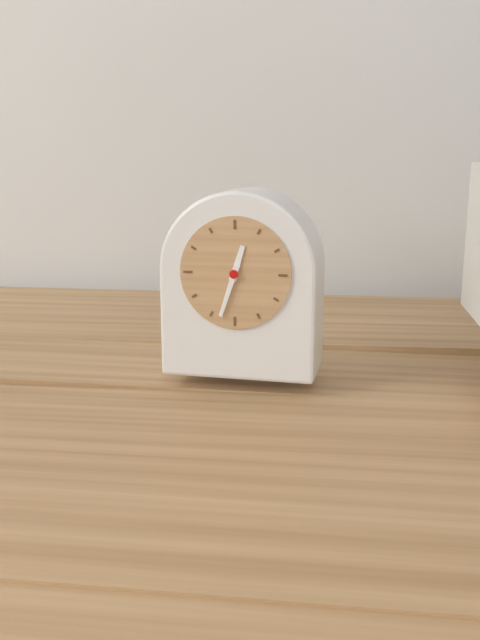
12:33
